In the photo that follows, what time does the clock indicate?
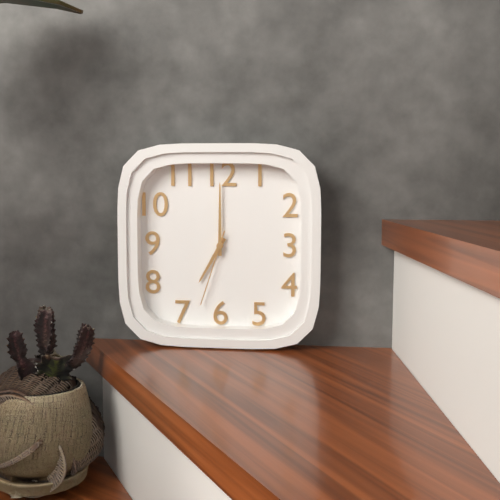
7:00:33
